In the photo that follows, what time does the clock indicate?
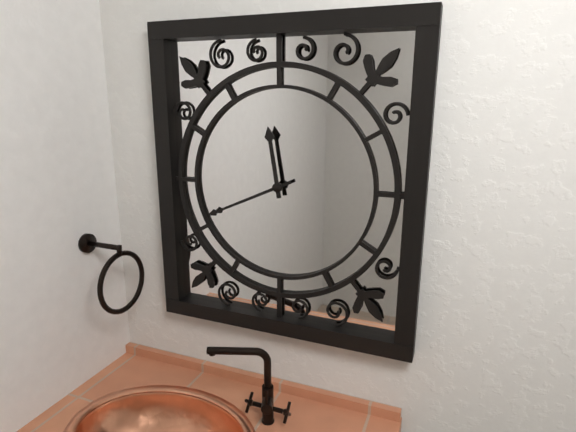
11:41
